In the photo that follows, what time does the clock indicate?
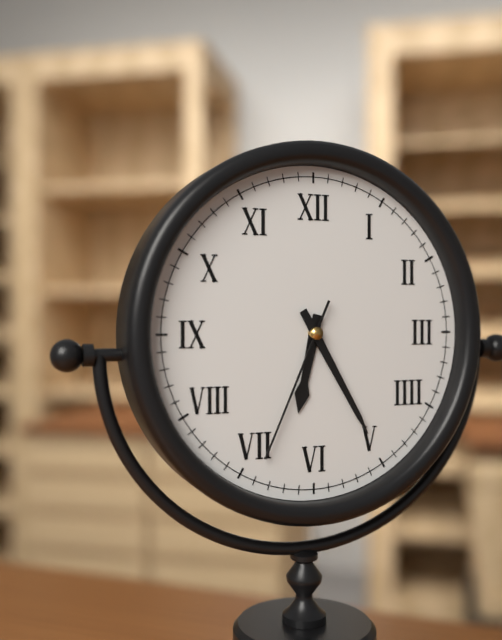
6:25:34
